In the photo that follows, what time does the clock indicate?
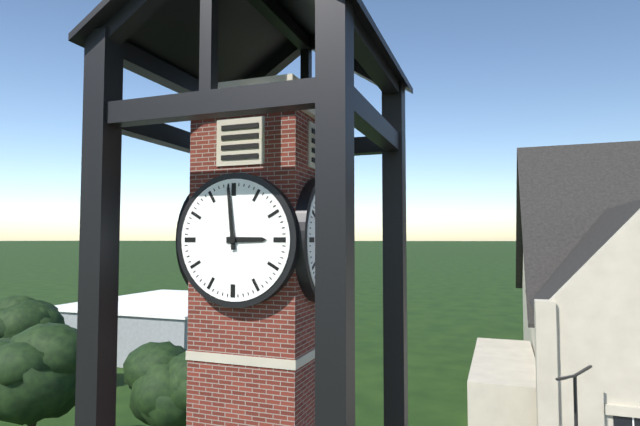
2:59
